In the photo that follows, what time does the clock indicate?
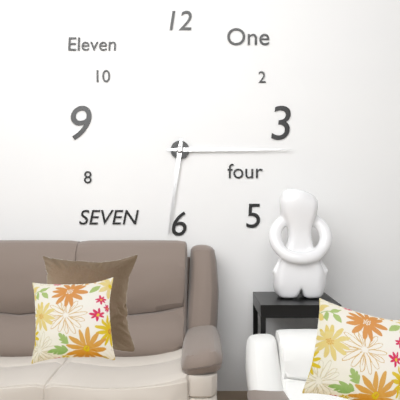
6:15
